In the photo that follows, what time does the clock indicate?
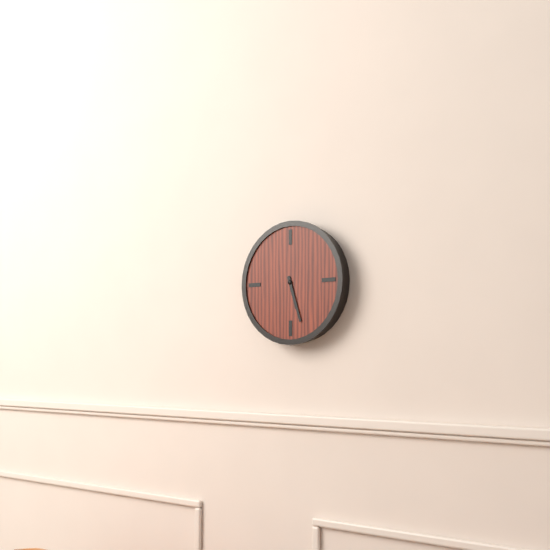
5:27
